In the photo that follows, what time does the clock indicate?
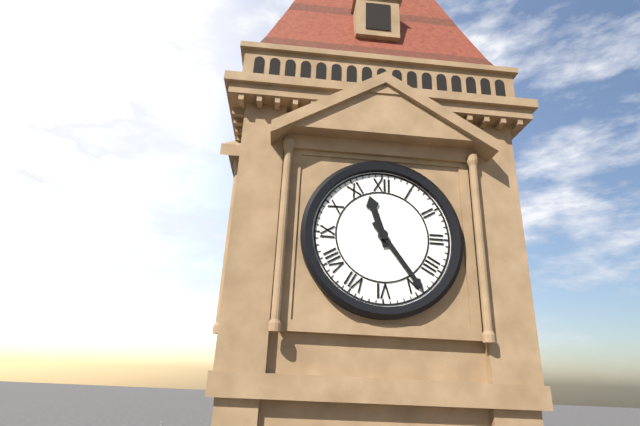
11:24
